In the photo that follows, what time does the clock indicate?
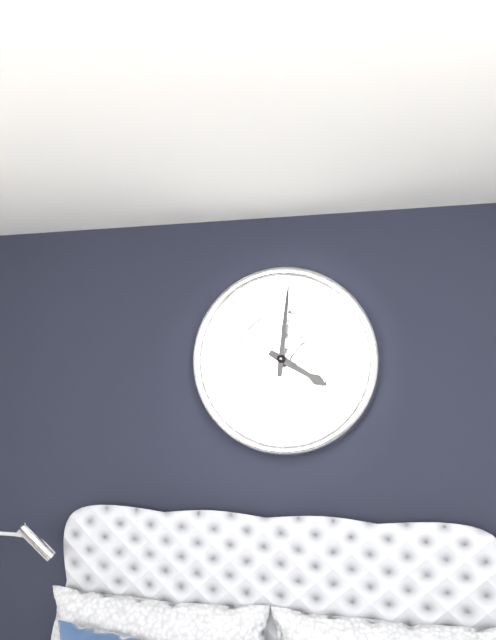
4:01
